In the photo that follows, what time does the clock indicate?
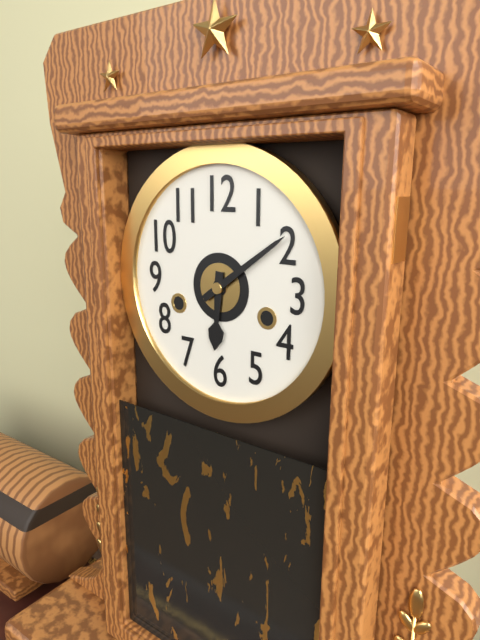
6:09
